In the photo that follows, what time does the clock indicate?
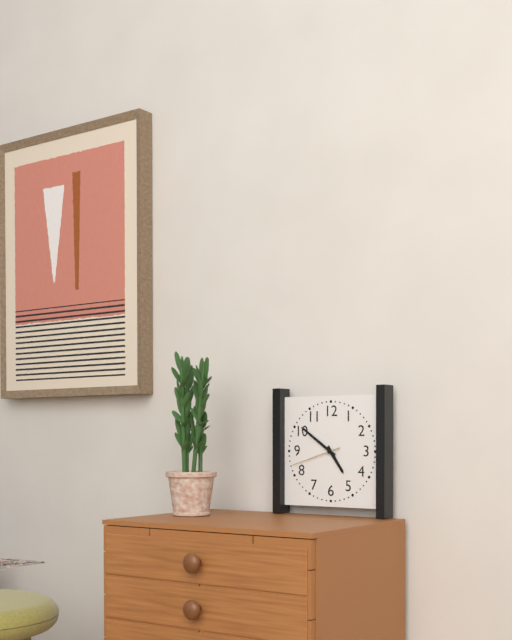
4:51
